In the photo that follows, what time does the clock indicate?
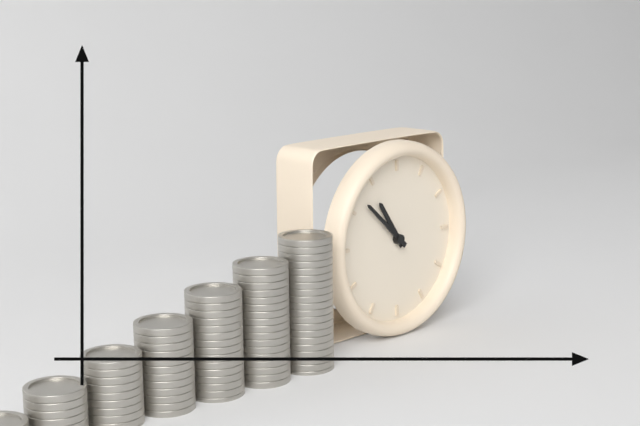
10:52
